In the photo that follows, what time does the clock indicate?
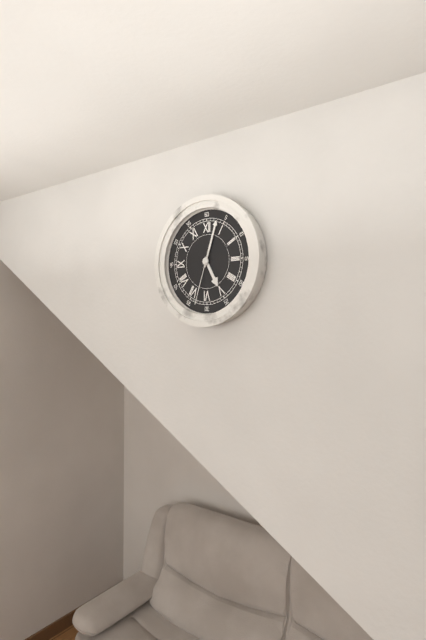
5:03:33
